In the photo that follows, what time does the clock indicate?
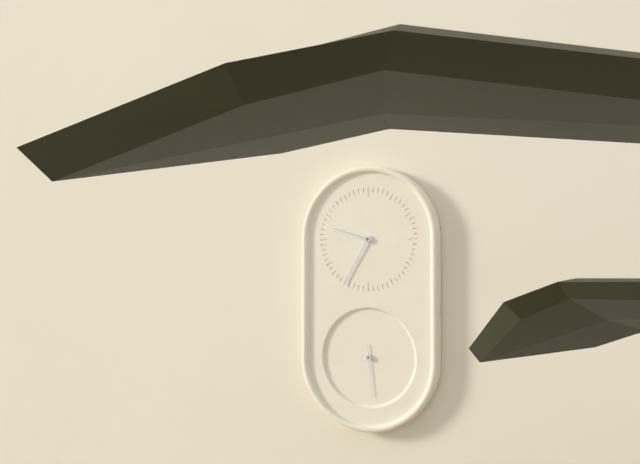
9:35:29
